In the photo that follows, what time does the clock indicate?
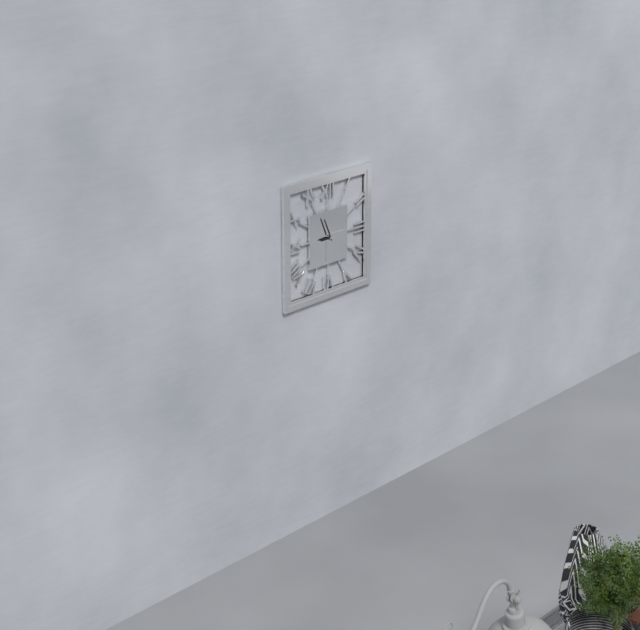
8:56
